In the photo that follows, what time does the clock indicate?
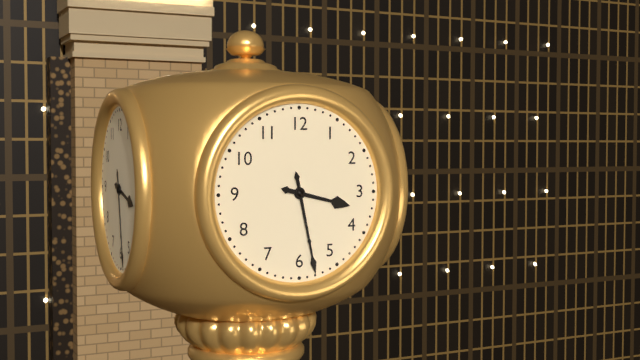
3:28
